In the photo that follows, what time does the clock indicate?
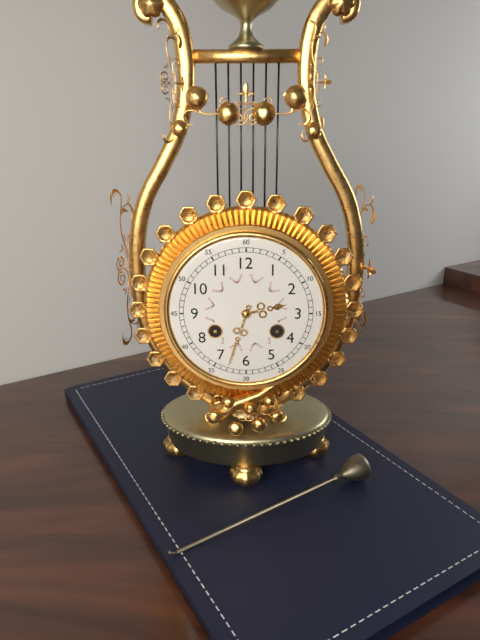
2:33
